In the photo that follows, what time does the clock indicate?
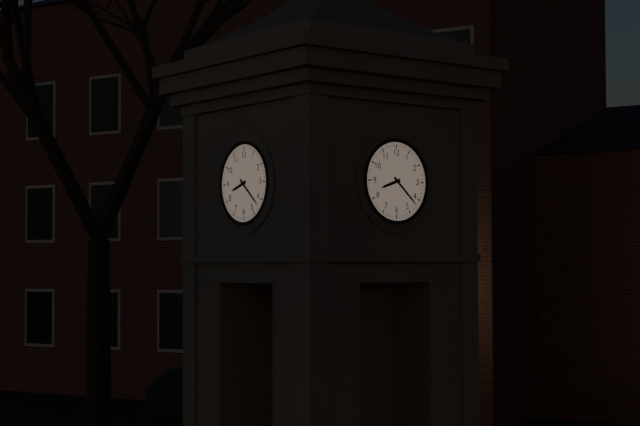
8:22
